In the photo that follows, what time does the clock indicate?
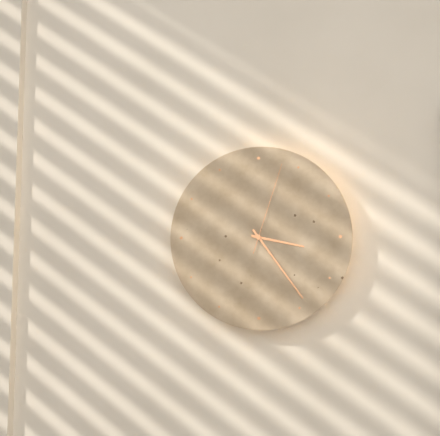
3:24:03
